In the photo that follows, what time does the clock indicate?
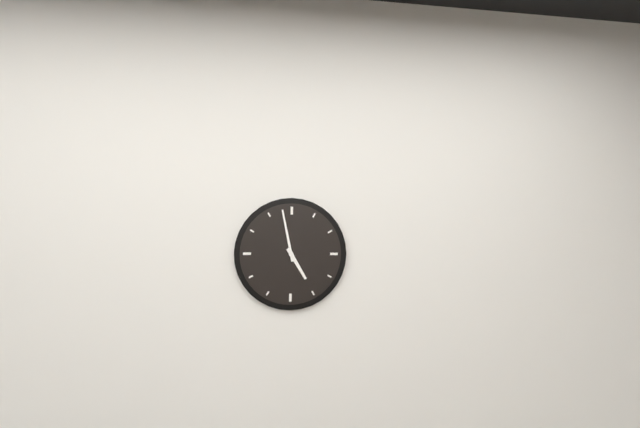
4:58
